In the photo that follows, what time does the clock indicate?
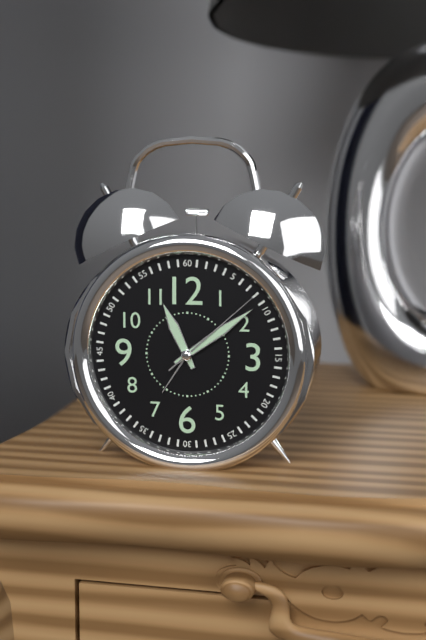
11:09:08
